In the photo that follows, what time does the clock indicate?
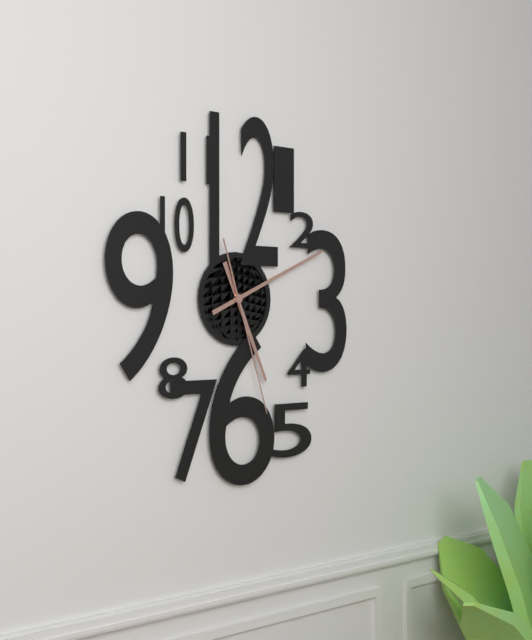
5:11:27
